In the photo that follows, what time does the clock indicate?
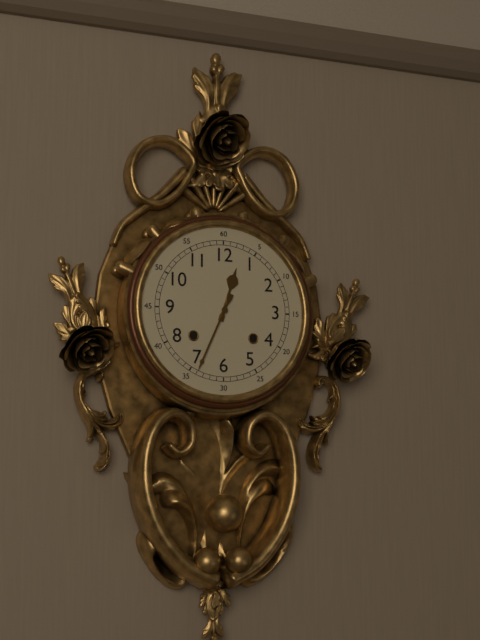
12:34
